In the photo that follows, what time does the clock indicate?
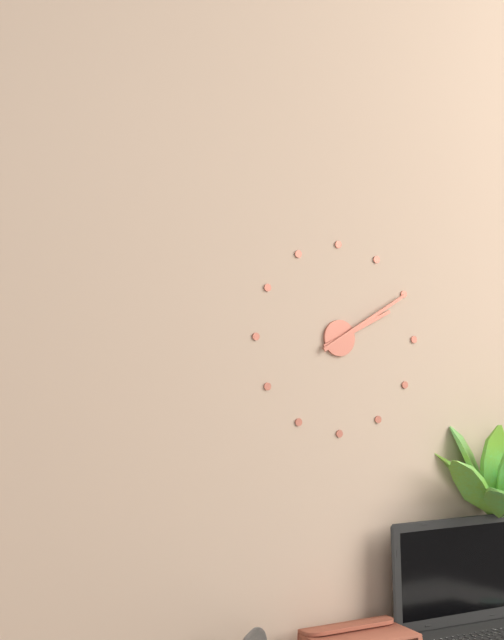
2:10
